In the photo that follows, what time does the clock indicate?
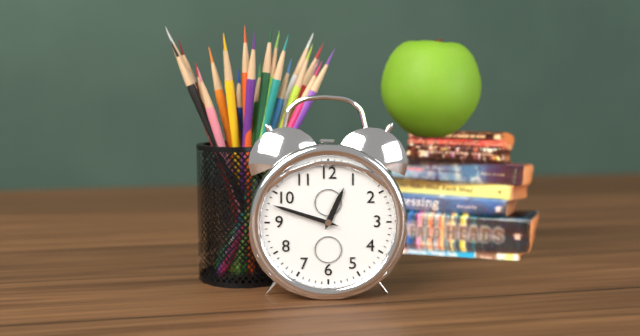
12:48
